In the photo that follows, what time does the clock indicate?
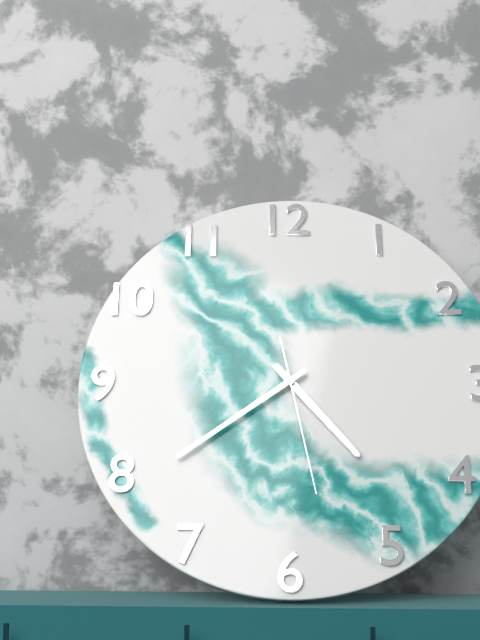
4:39:28
